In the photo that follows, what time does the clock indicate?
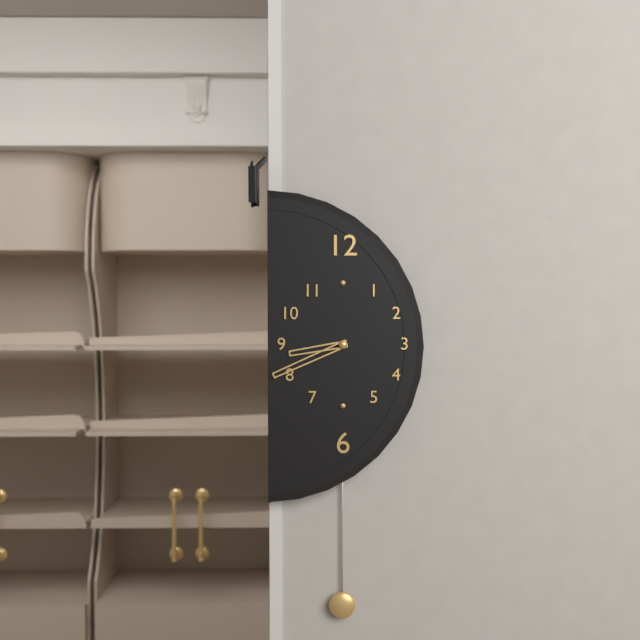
8:41
